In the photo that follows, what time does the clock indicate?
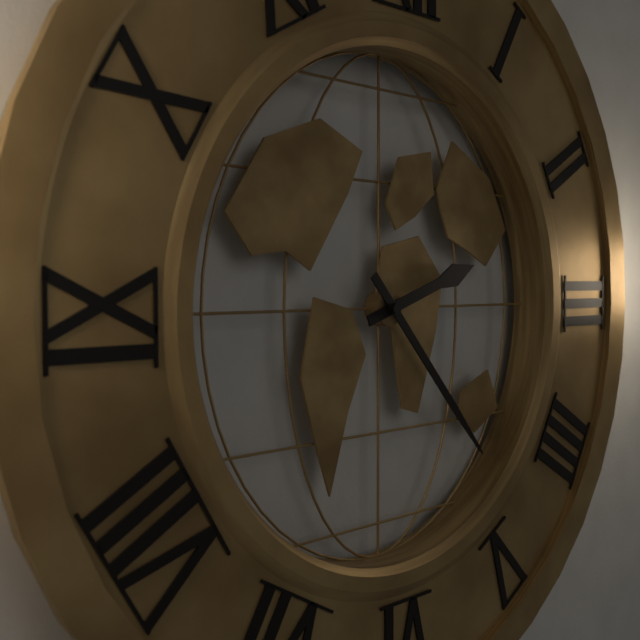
2:23
